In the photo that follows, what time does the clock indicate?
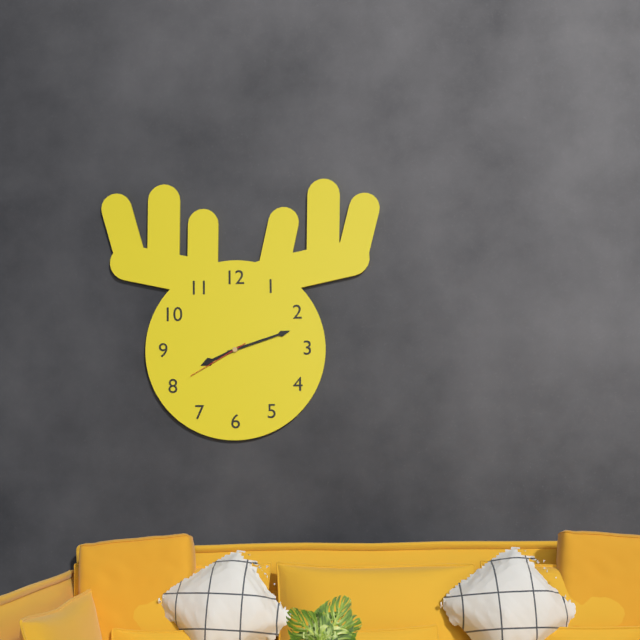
8:12:40
